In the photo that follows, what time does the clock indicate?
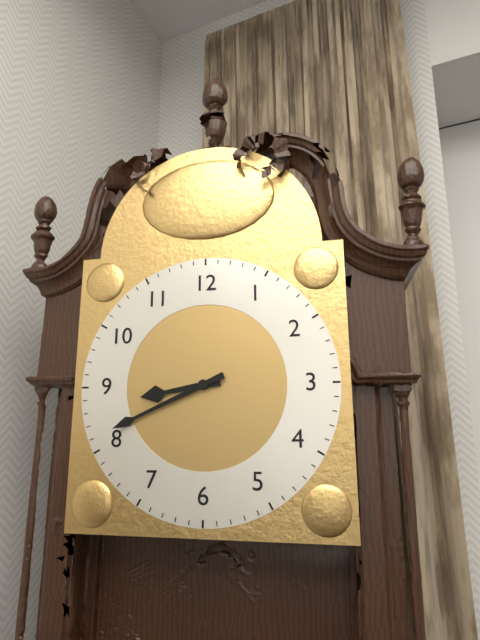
8:41
